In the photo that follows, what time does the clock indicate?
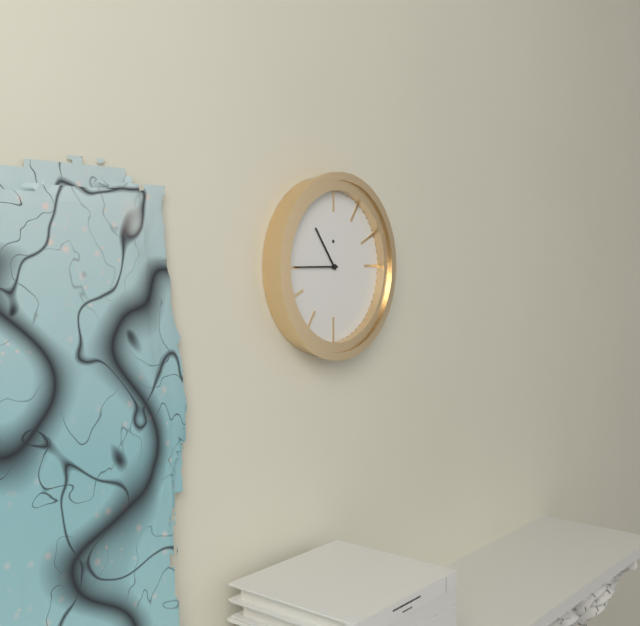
10:45
